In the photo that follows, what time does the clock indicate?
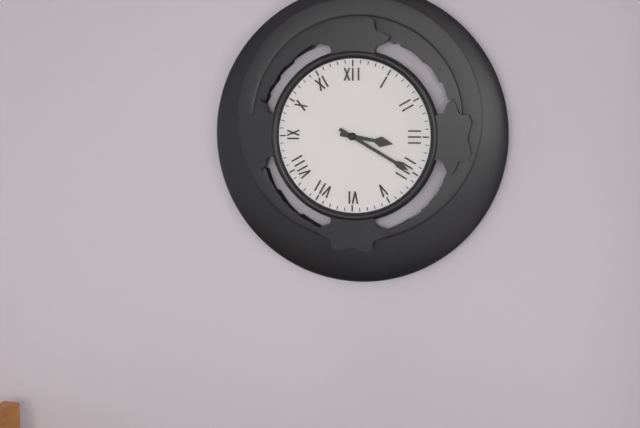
3:20
